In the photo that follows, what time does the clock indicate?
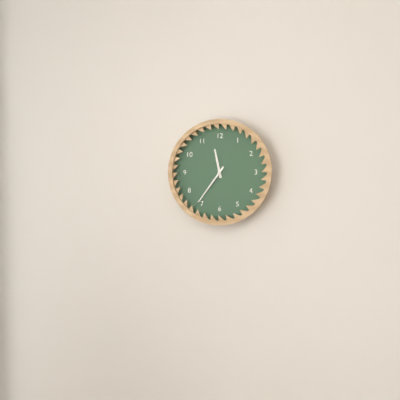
11:36
